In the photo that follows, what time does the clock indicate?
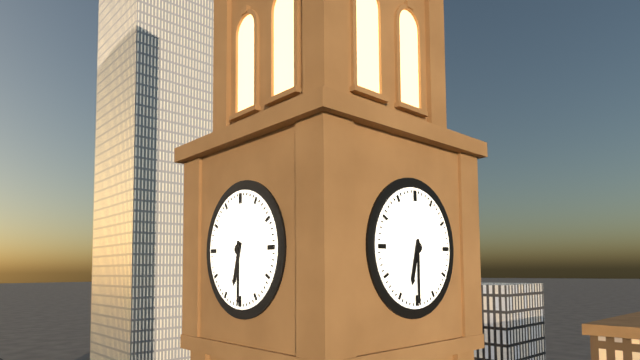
6:30
